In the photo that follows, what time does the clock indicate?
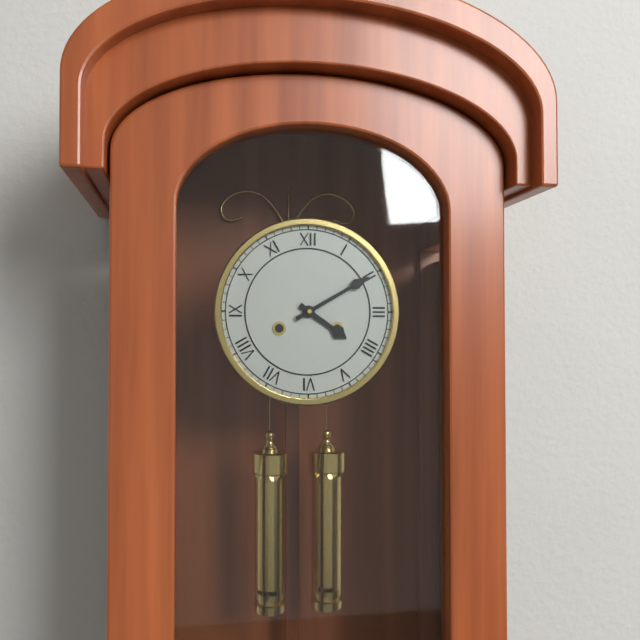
4:10
